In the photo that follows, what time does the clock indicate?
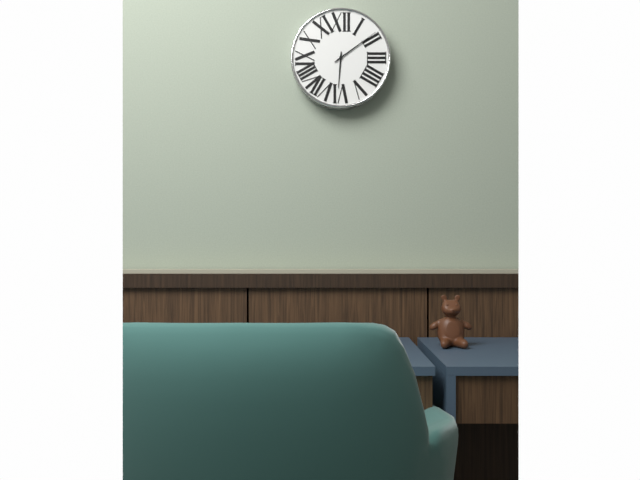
6:09
